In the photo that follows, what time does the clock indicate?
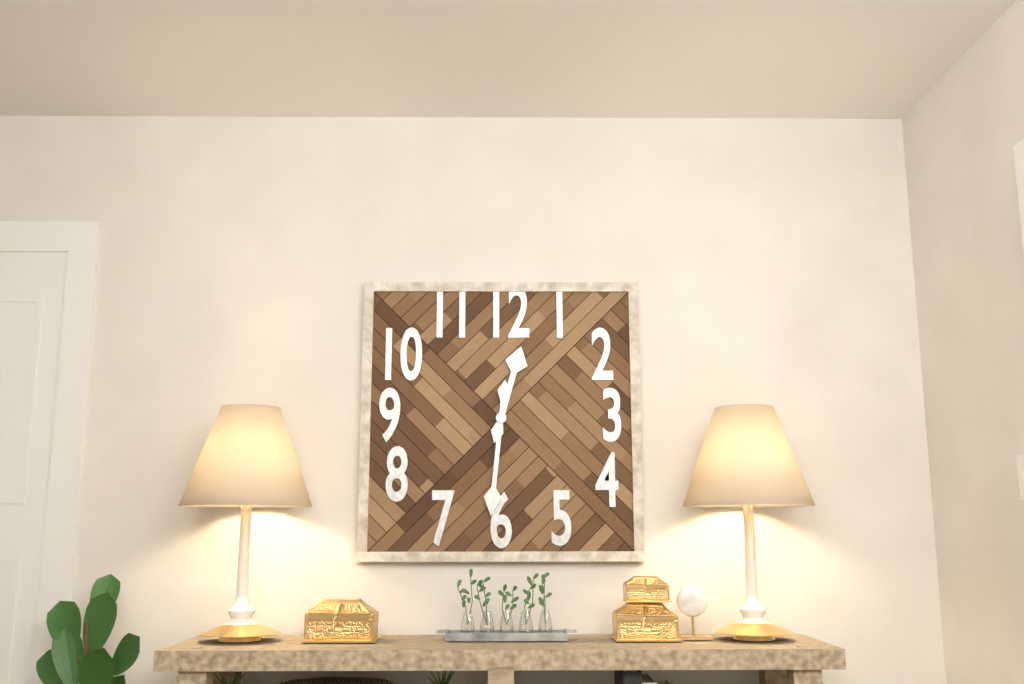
12:31
